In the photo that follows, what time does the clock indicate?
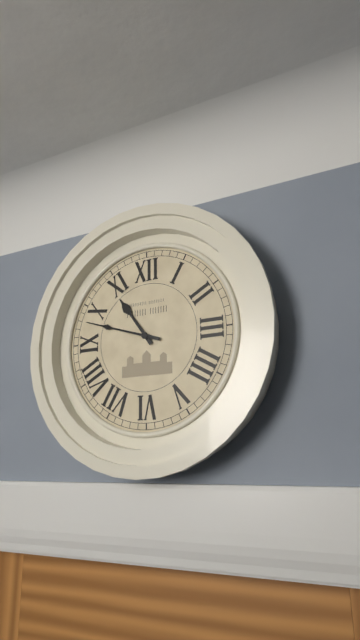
10:48
